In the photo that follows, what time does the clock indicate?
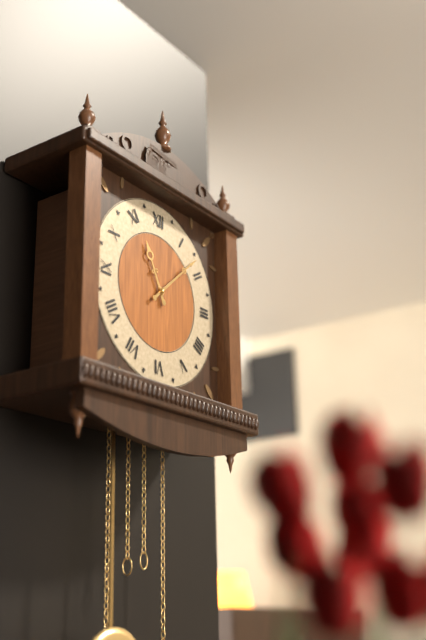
11:08
